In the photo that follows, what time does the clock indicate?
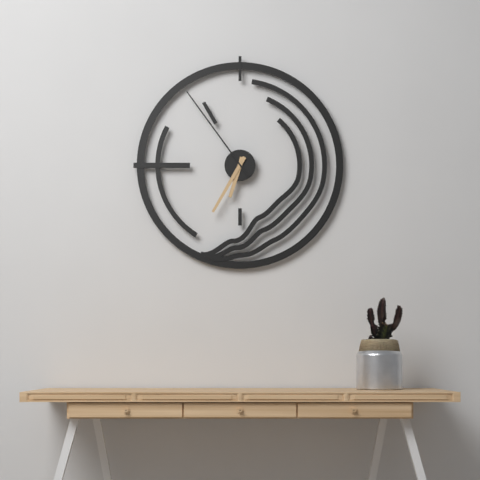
6:35:54
